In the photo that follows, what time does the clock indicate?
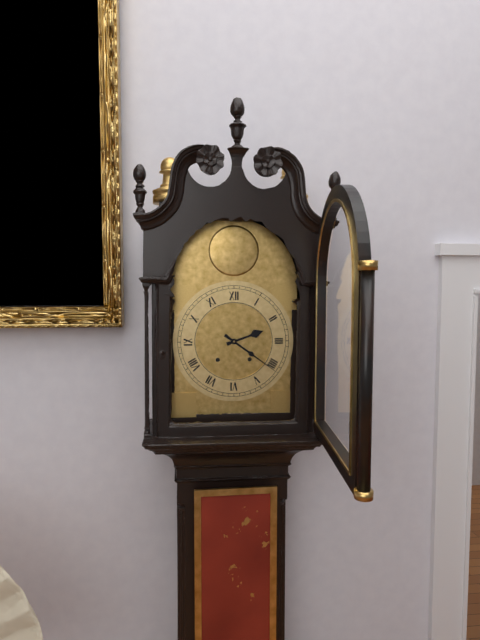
2:21
